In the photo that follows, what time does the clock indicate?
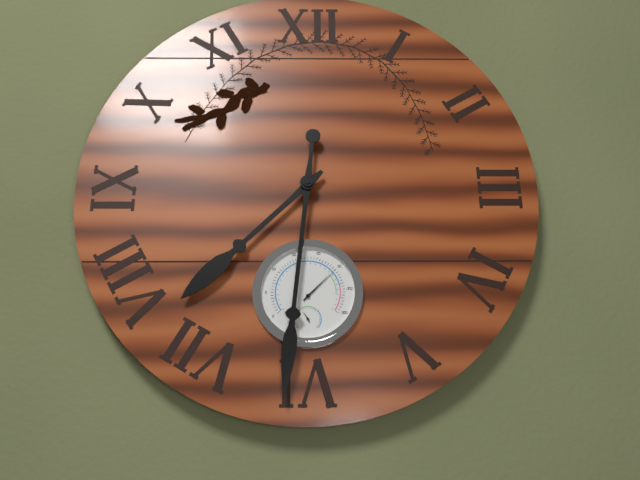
7:31
